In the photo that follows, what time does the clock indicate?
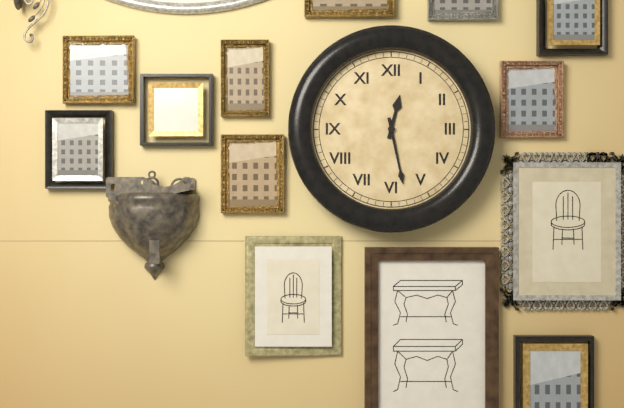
12:28
